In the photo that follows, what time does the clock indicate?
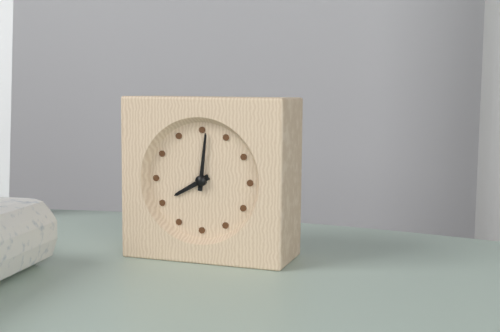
8:01
